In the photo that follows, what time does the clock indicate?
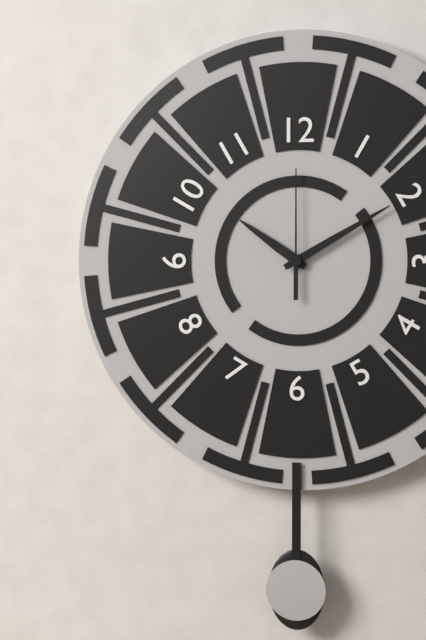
10:10:00
